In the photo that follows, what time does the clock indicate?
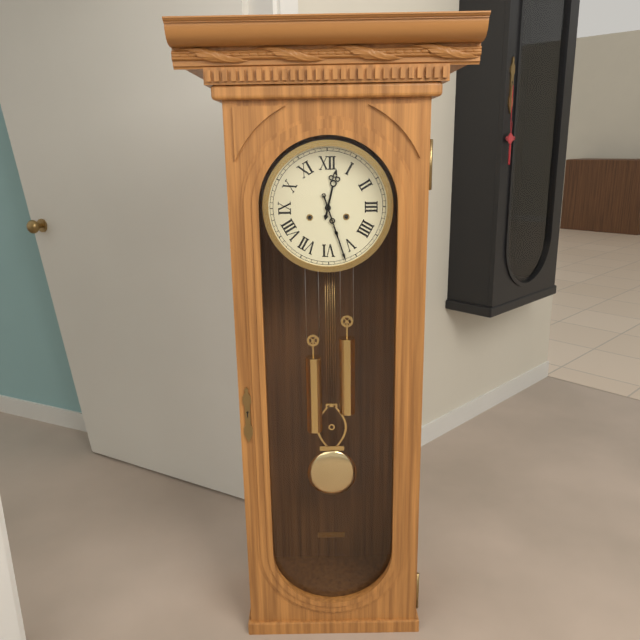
12:27
